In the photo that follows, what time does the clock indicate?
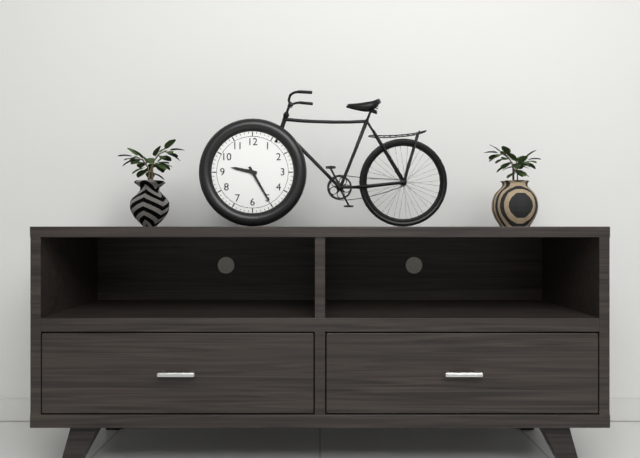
9:25
